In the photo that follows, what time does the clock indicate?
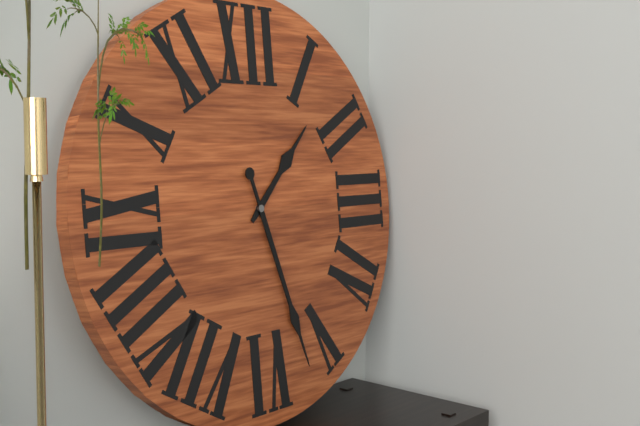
1:27
